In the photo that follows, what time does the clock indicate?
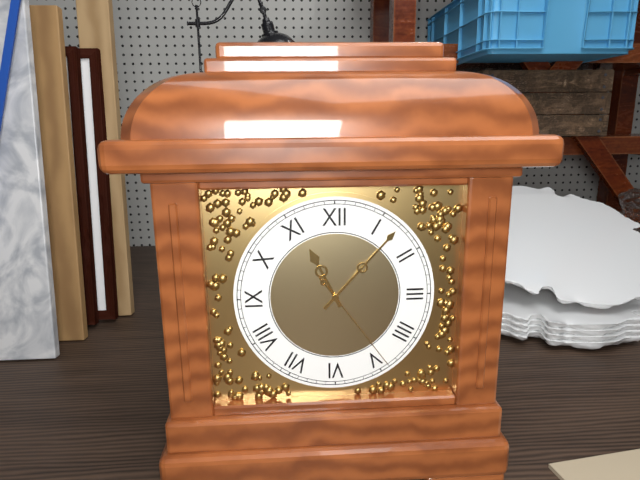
11:07:24
